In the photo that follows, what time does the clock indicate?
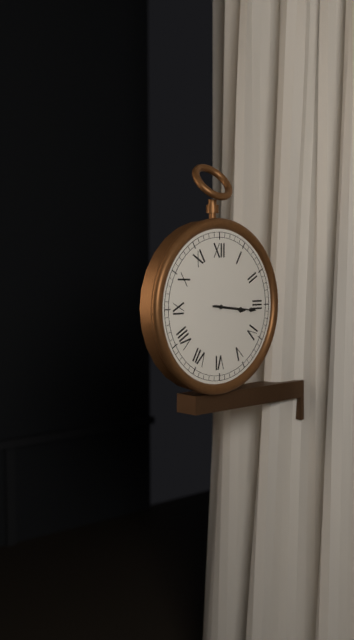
3:16
